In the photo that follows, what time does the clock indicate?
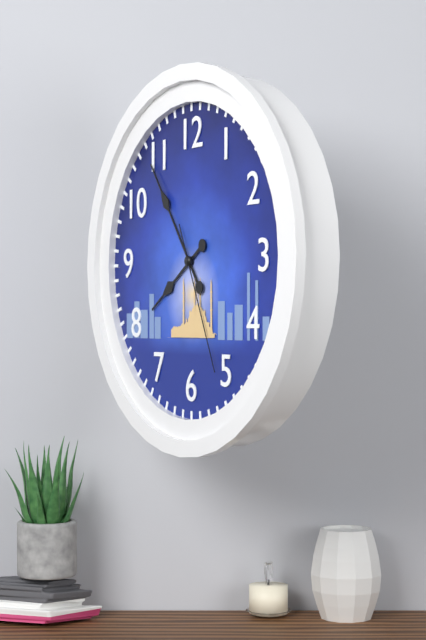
7:54:26
